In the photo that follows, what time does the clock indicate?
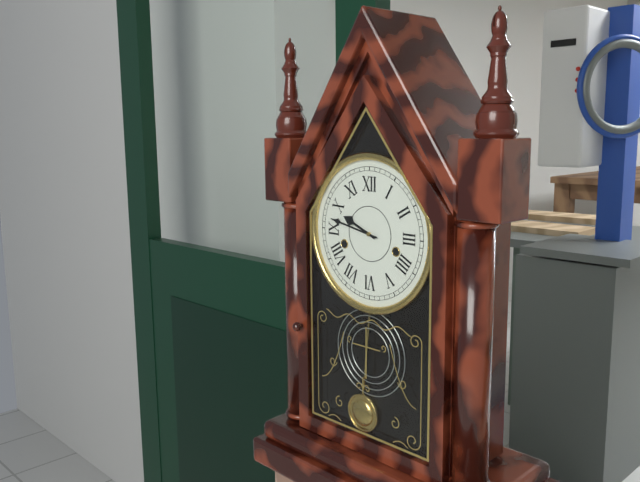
9:47
